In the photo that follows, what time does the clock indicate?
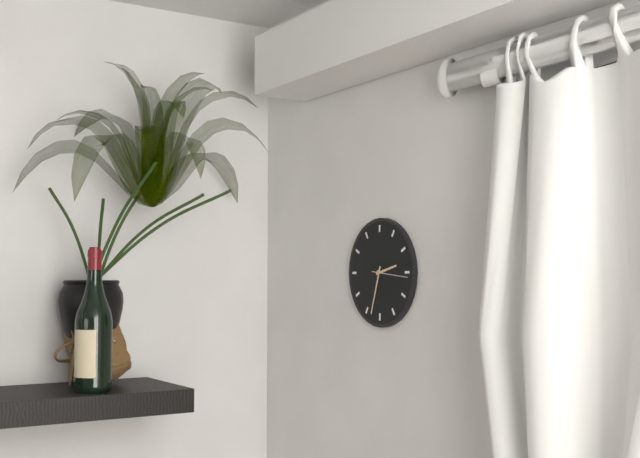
2:33
